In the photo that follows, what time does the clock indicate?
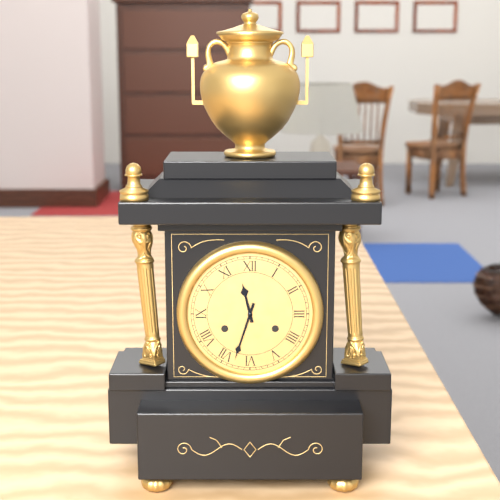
11:33
